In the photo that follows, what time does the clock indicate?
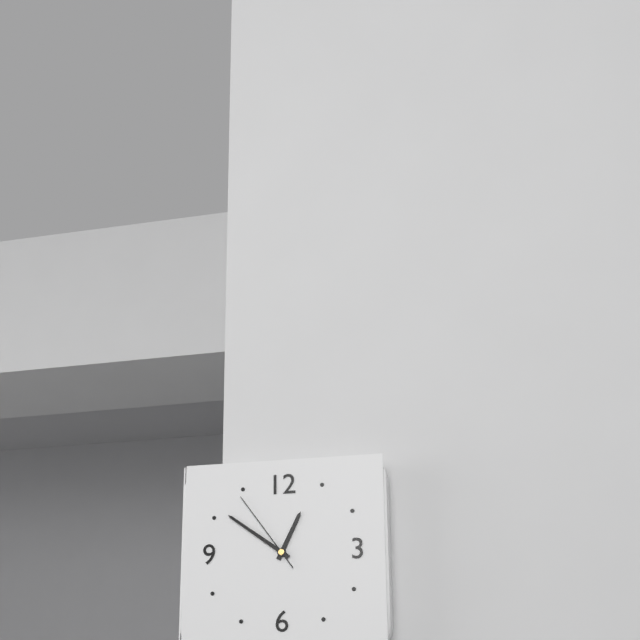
12:51:54
